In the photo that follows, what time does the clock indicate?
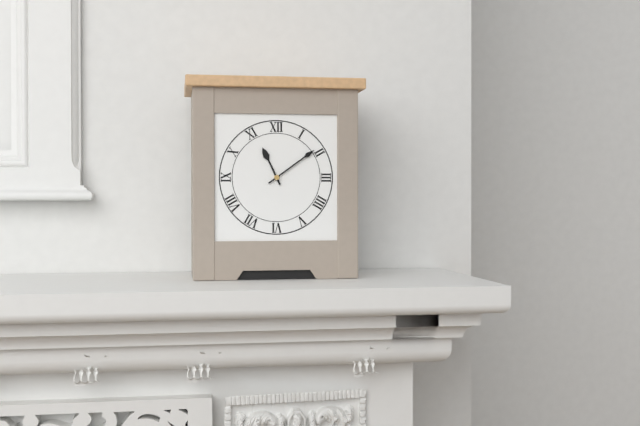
11:09
